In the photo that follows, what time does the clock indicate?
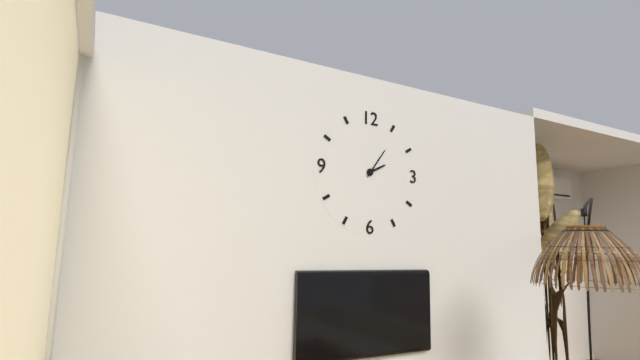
2:06
